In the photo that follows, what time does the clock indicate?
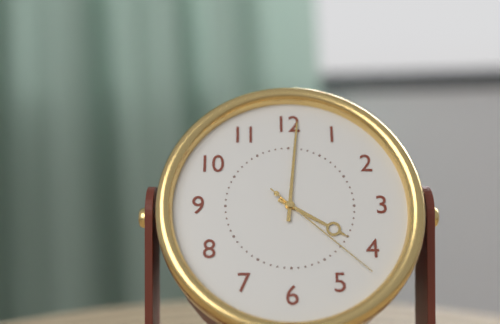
4:01:22
